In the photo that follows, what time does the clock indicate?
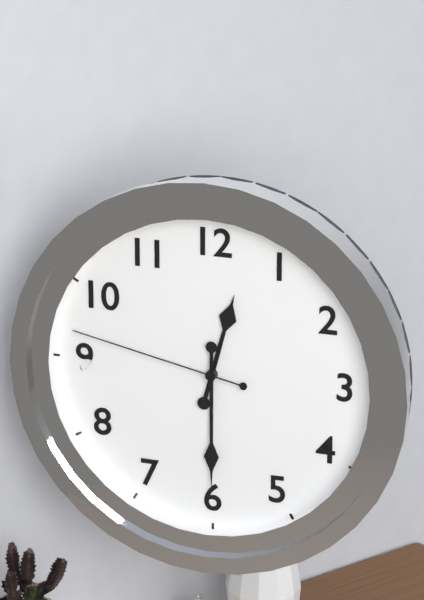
12:30:47
